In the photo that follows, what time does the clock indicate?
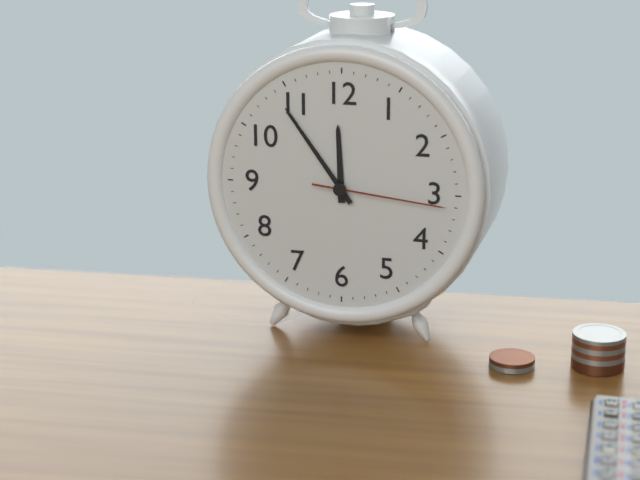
11:54:16
